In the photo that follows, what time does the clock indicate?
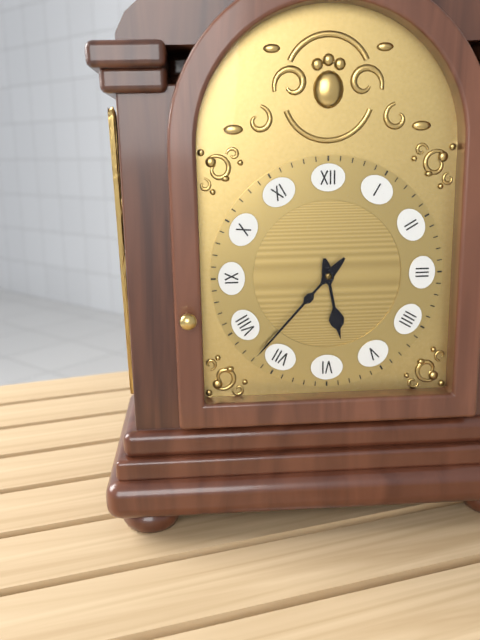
5:37
